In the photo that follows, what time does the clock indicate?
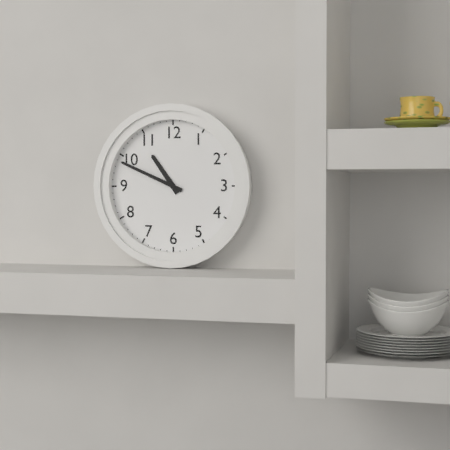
10:49
